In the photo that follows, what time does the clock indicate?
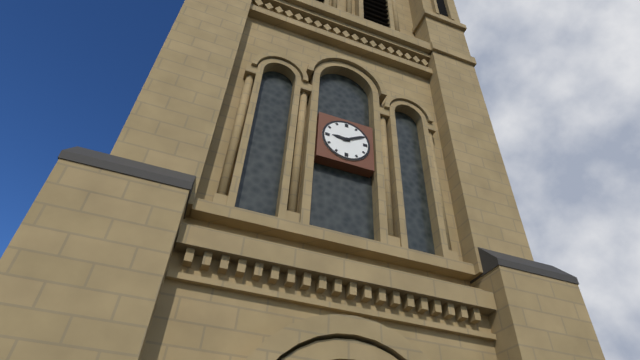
9:10
